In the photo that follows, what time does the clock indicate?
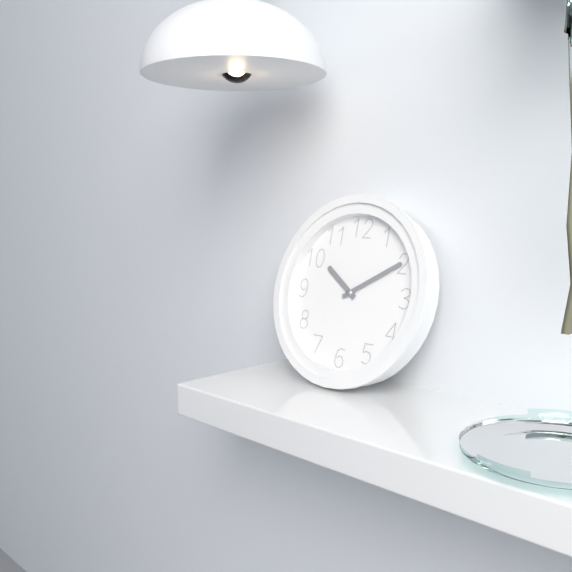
10:10
